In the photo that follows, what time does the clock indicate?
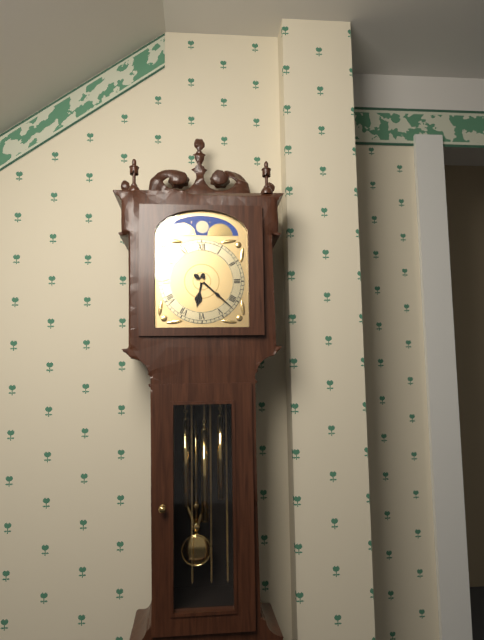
6:22
